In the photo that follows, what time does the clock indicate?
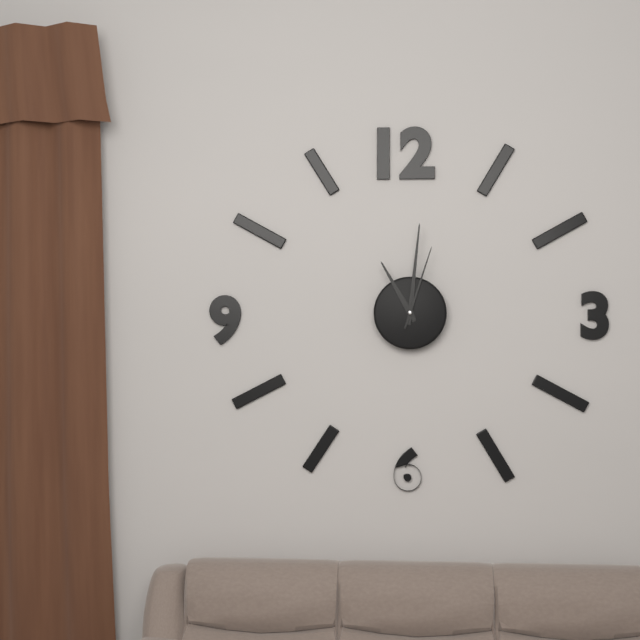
11:01:03
